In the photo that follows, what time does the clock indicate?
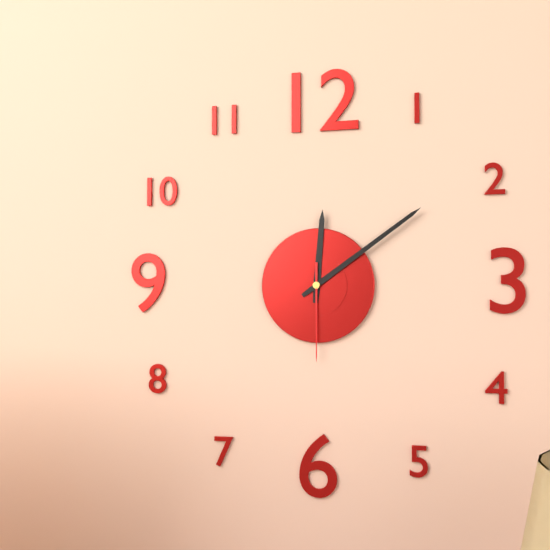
12:09:30
